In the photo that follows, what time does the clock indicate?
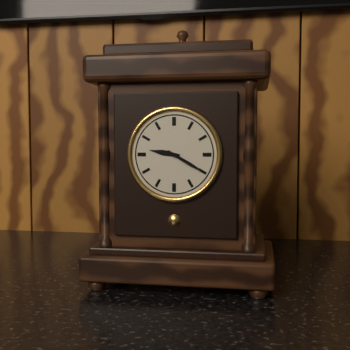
9:20
